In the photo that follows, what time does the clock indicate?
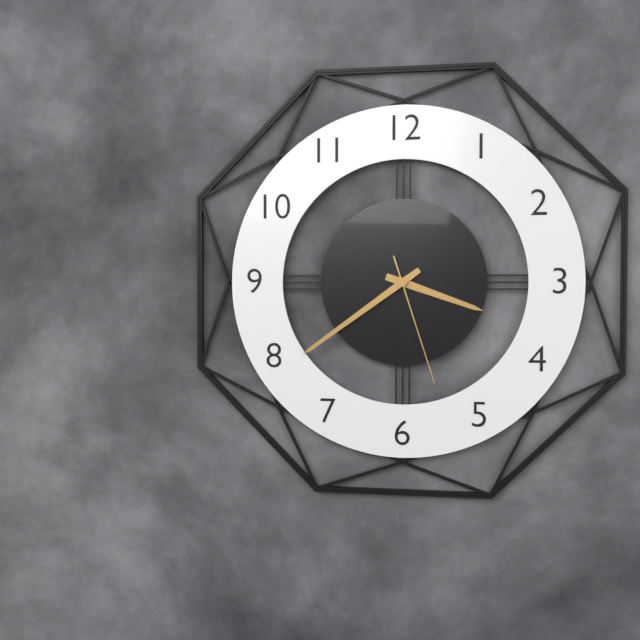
3:39:27
